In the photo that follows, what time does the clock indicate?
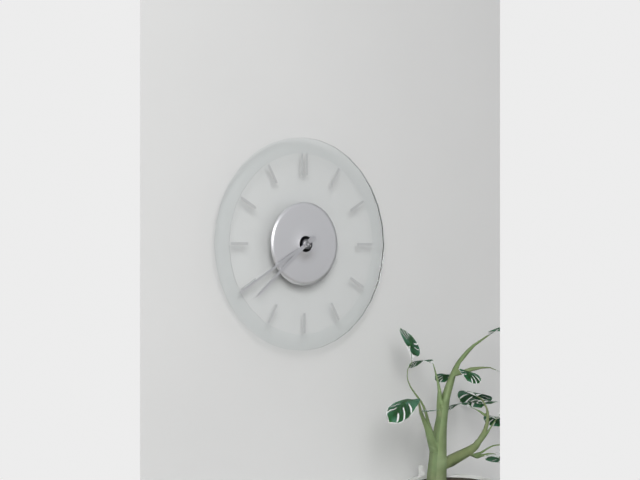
7:40
